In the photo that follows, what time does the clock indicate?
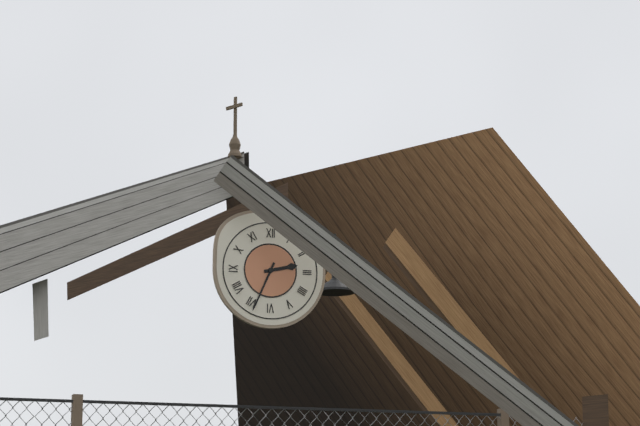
2:34
